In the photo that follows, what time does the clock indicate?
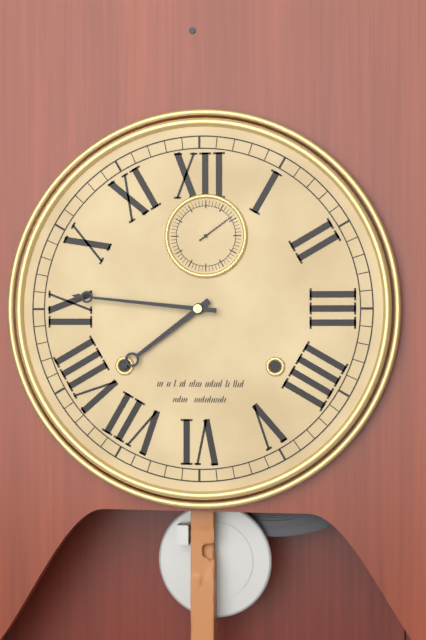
7:46
